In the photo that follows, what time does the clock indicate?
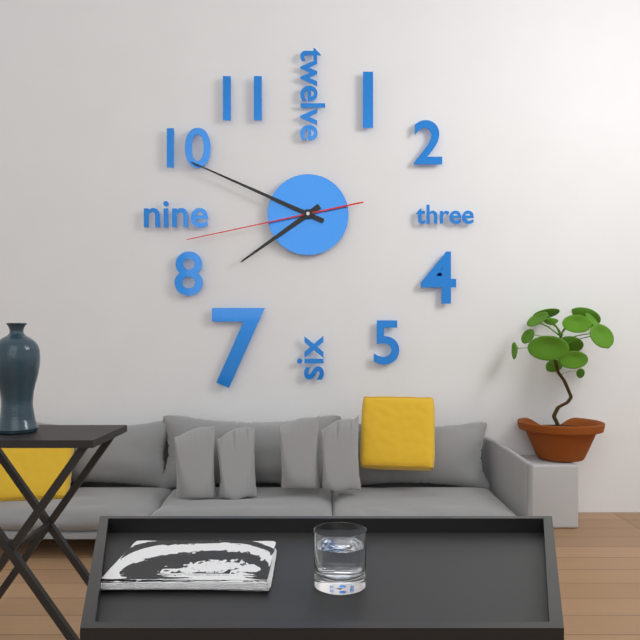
7:49:43
